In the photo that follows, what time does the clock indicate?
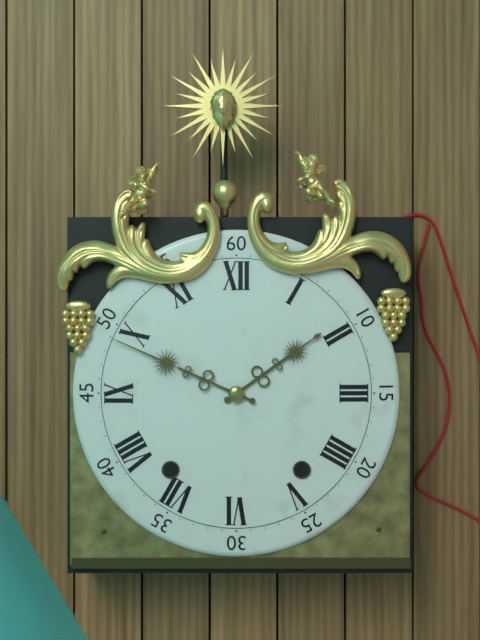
1:49
